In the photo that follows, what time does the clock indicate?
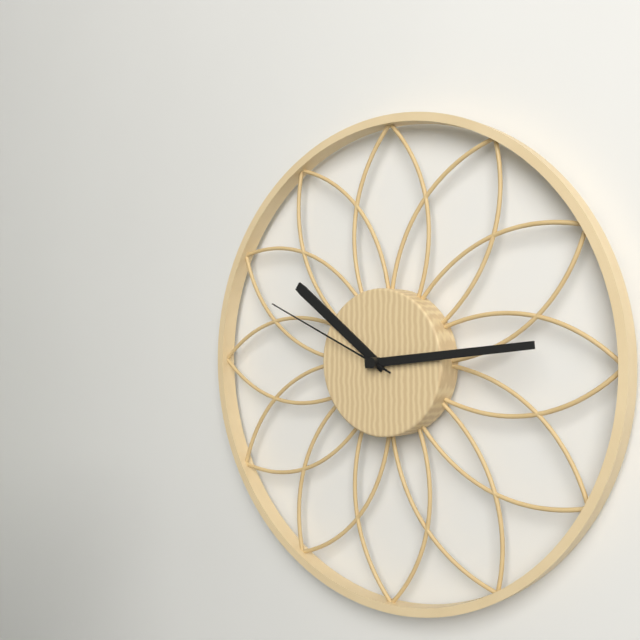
10:14:49
